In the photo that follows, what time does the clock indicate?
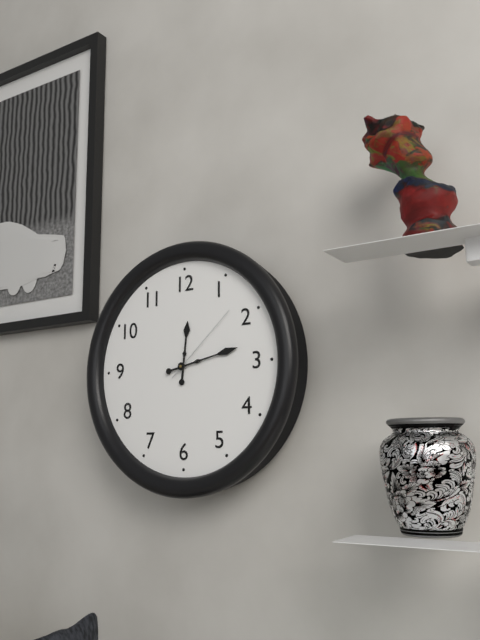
12:13:08
